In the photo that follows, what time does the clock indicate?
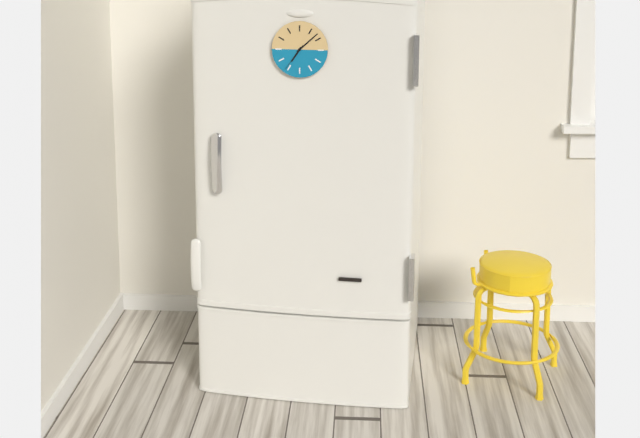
7:08
